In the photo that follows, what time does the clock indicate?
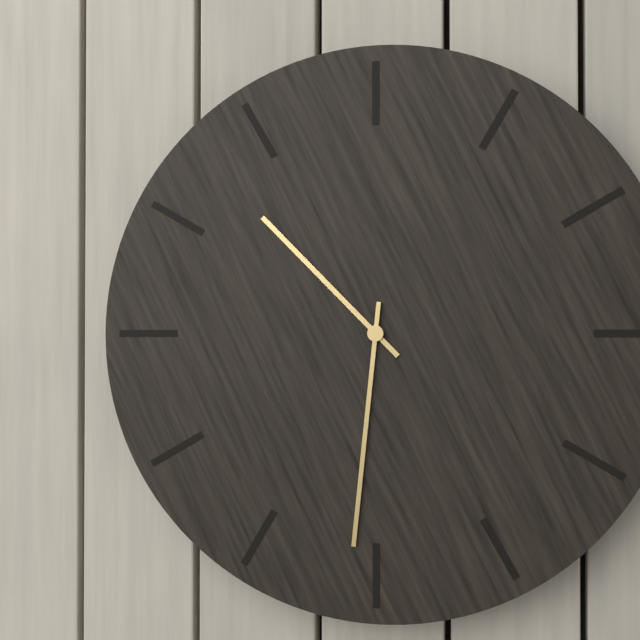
10:31
